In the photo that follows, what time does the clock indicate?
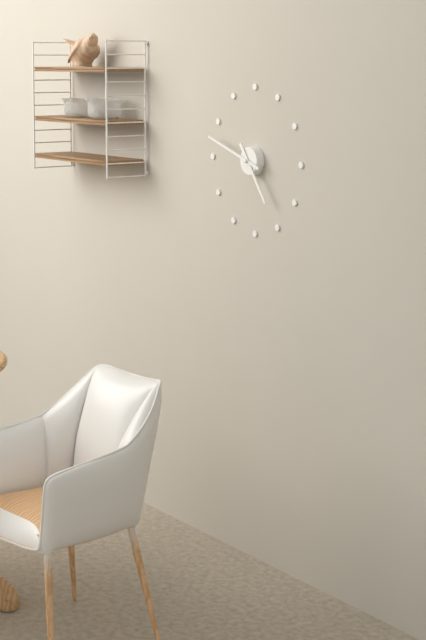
4:48
